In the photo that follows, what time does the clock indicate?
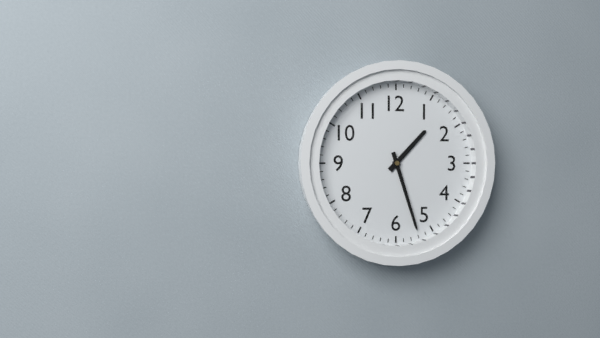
1:27
